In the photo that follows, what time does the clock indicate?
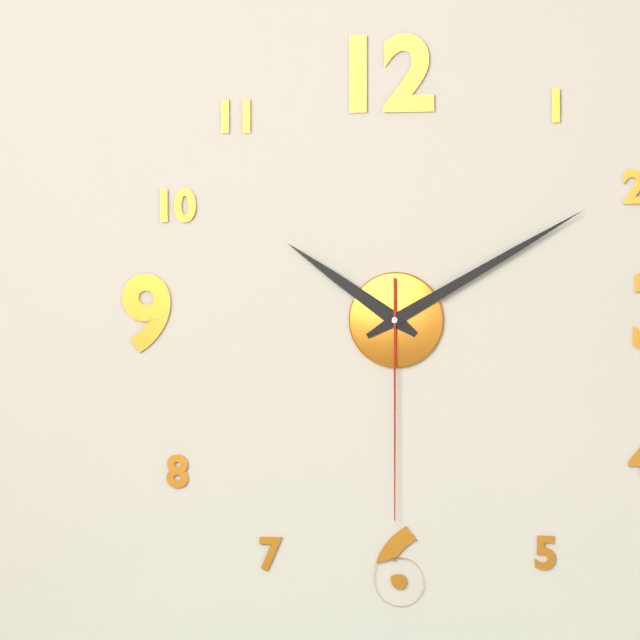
10:10:30
